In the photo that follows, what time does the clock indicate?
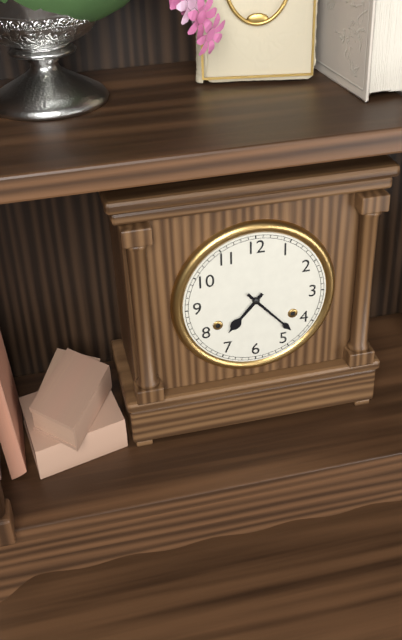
7:23
